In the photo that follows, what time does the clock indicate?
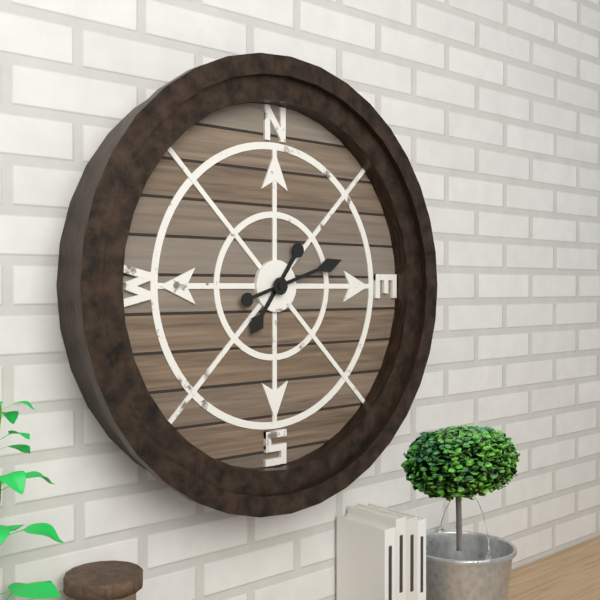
7:12
